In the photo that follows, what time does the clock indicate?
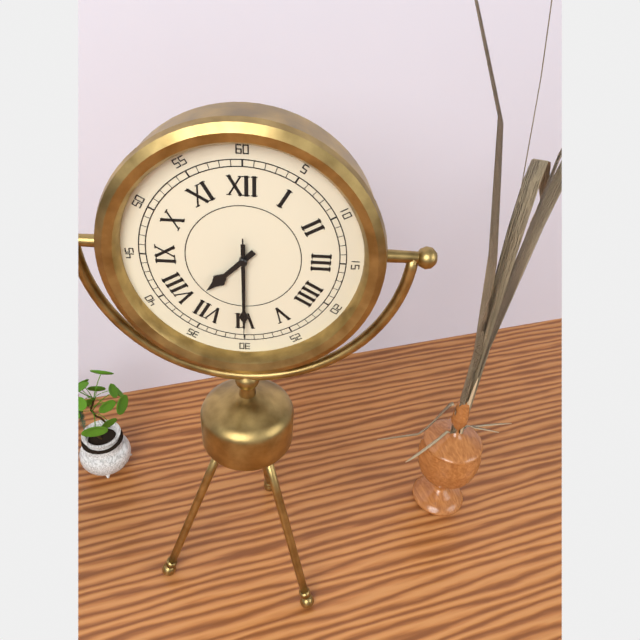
7:30:30
